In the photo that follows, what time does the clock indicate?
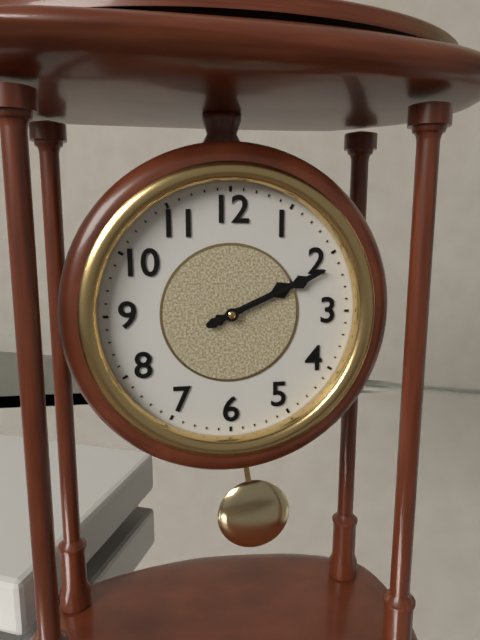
2:11
